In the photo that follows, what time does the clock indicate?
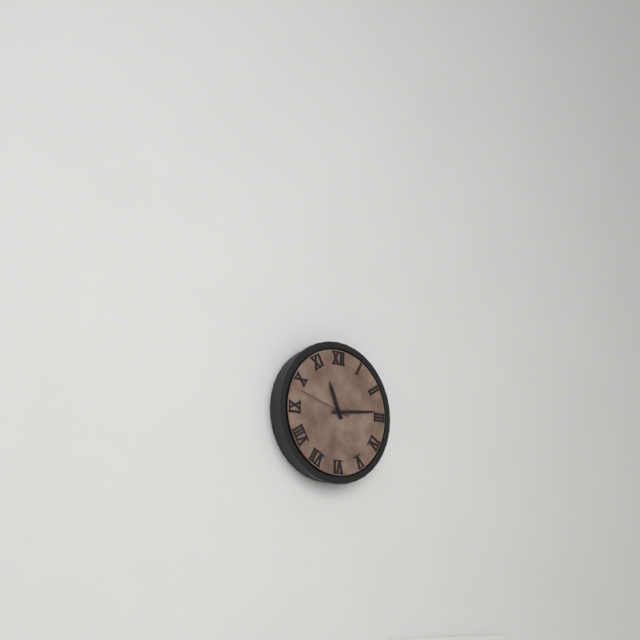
11:14:48
